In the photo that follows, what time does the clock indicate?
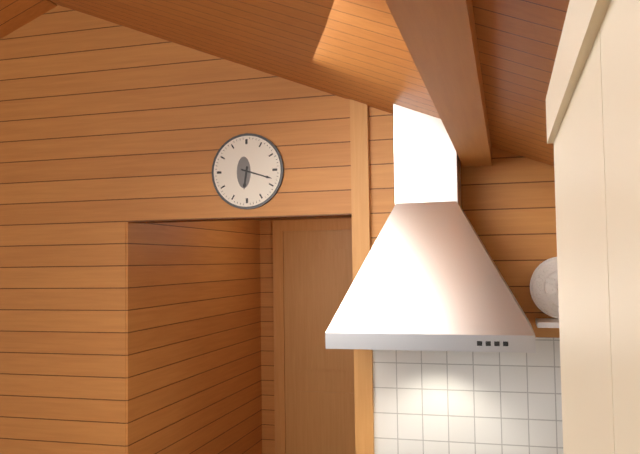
6:18
